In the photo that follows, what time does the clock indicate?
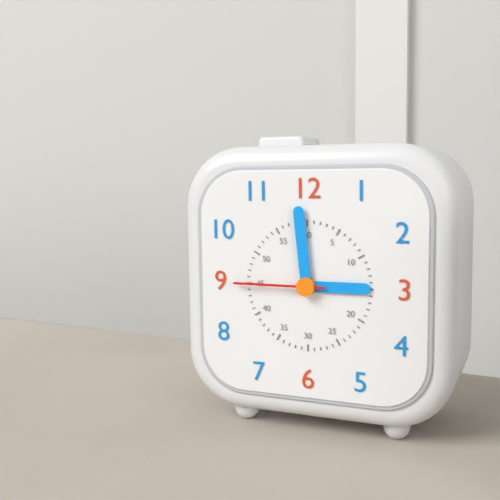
2:59:45
